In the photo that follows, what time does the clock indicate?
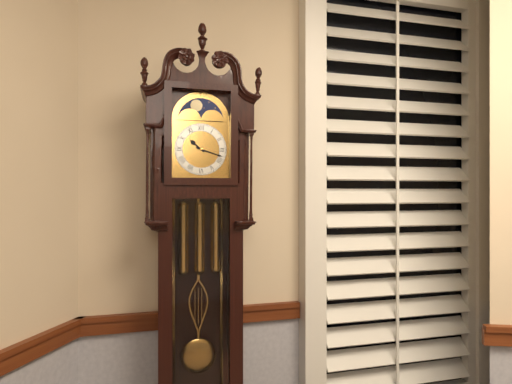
10:18
